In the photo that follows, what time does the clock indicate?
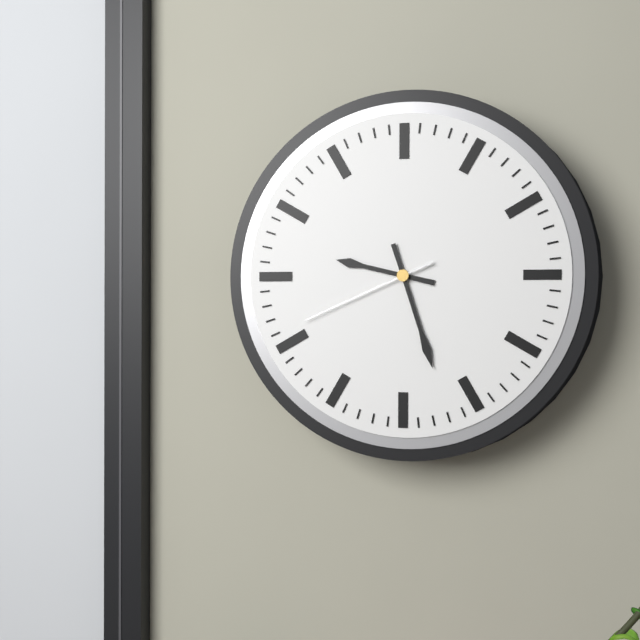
9:27:41
